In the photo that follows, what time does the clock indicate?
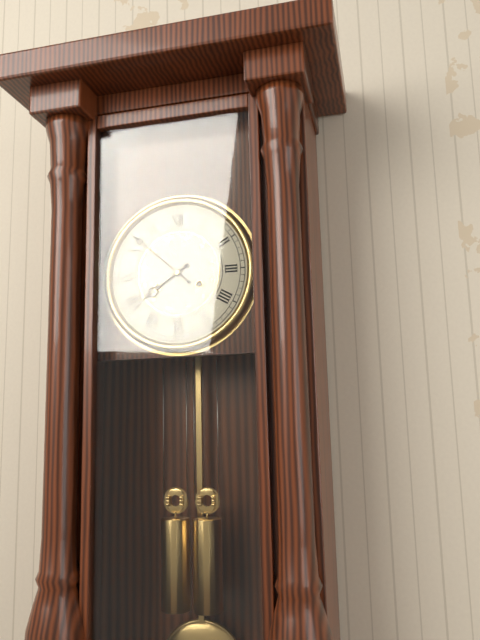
7:52
